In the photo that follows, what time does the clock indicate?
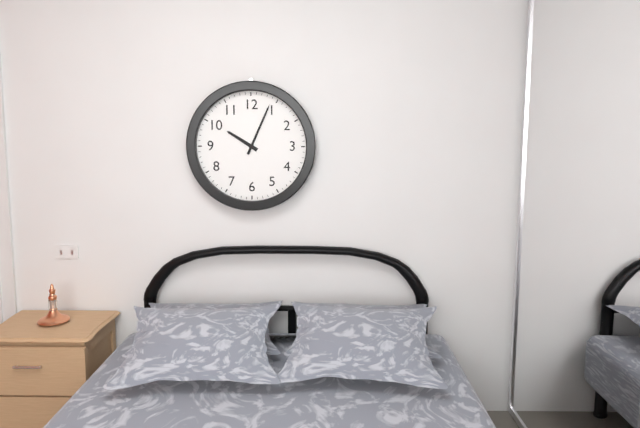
10:04
